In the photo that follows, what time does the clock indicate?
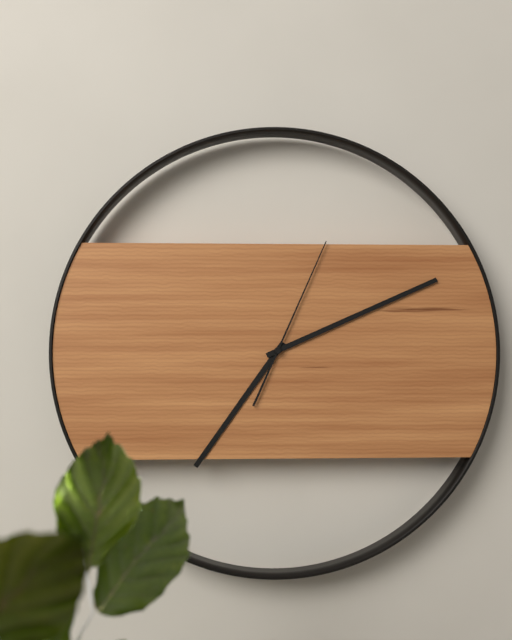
7:11:04
